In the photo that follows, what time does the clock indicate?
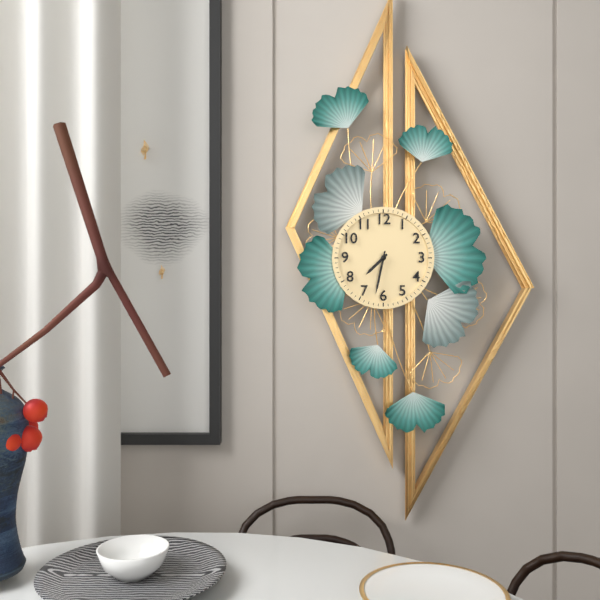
7:32
